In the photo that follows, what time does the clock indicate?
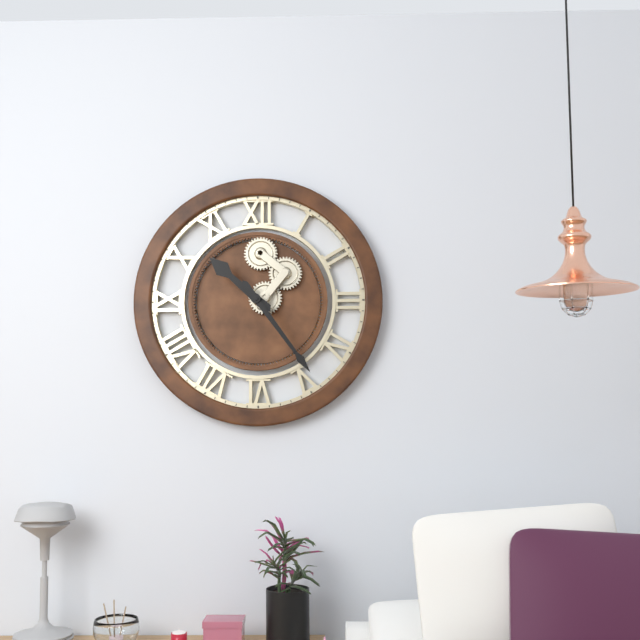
10:24
